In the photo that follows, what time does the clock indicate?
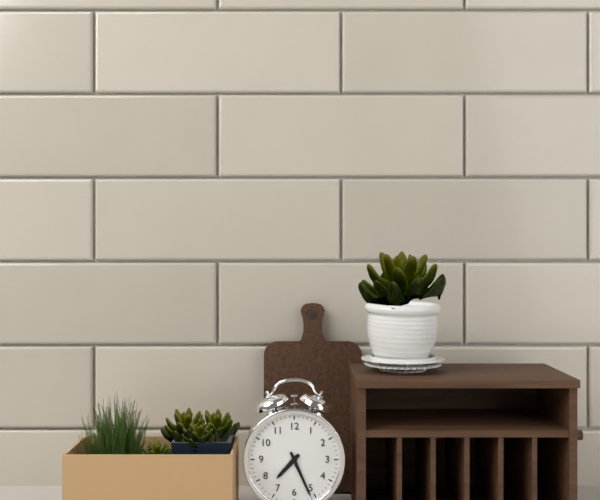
7:26
